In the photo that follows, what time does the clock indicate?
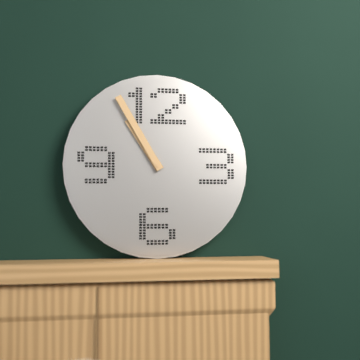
10:55
